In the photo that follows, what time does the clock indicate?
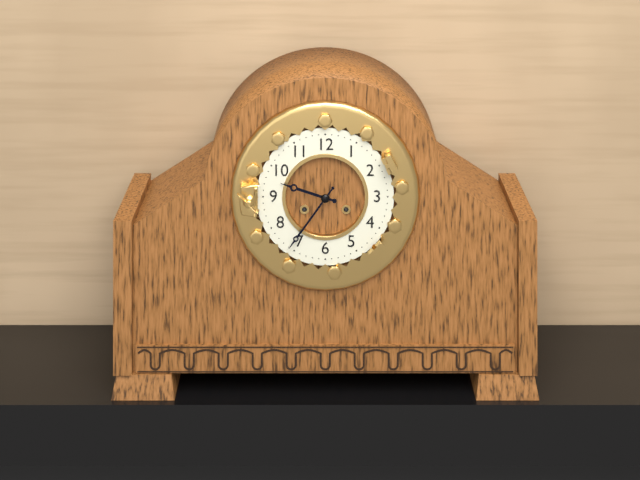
9:36
